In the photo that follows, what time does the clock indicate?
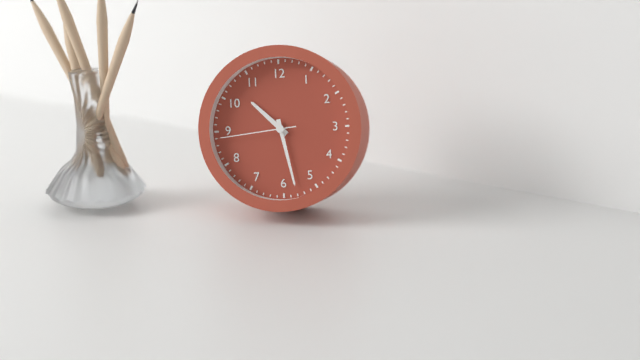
10:28:44
